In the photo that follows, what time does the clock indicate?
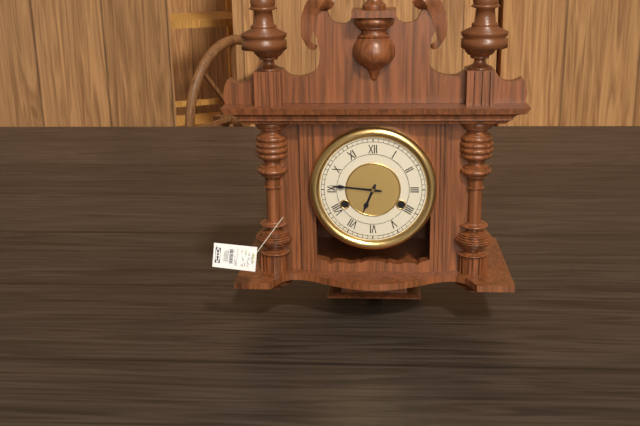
6:46
